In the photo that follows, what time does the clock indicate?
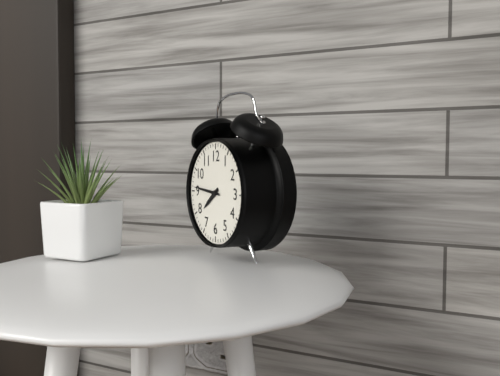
7:46
